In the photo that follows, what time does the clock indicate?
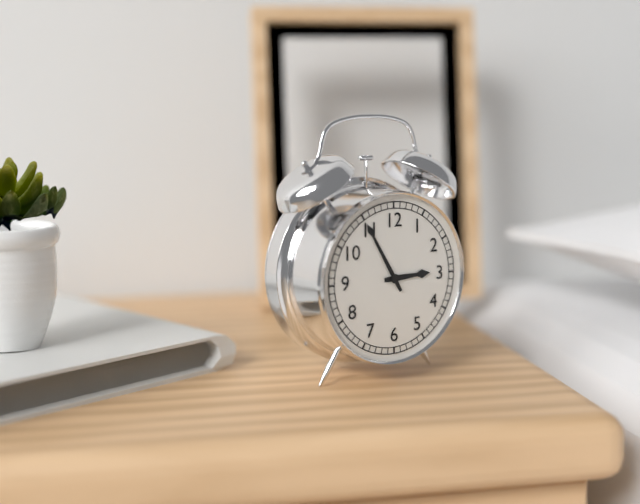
2:55
